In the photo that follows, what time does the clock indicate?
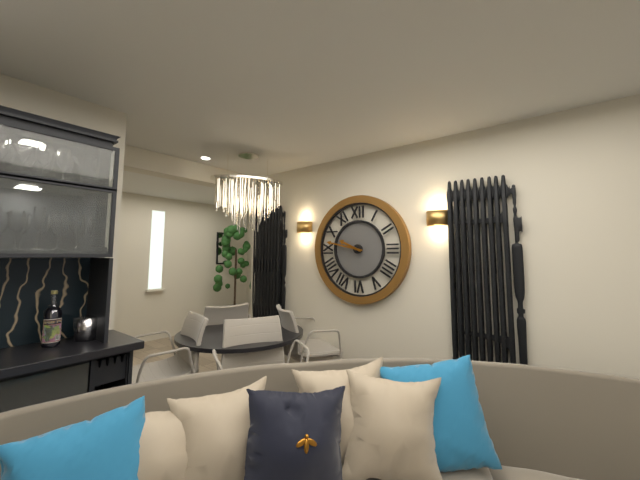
9:47
